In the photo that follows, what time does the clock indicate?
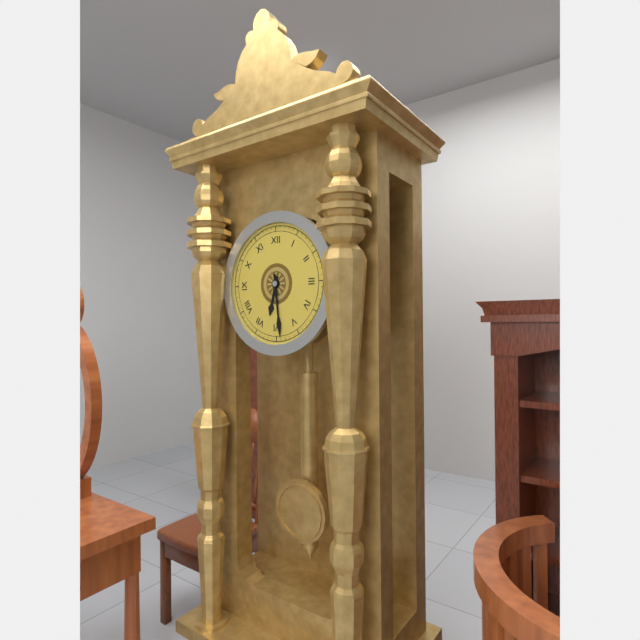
6:29
